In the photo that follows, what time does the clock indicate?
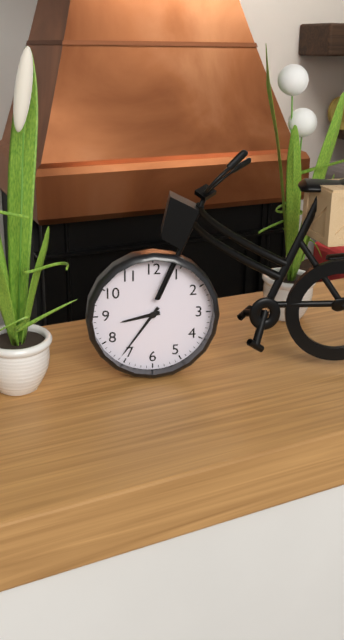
8:36
